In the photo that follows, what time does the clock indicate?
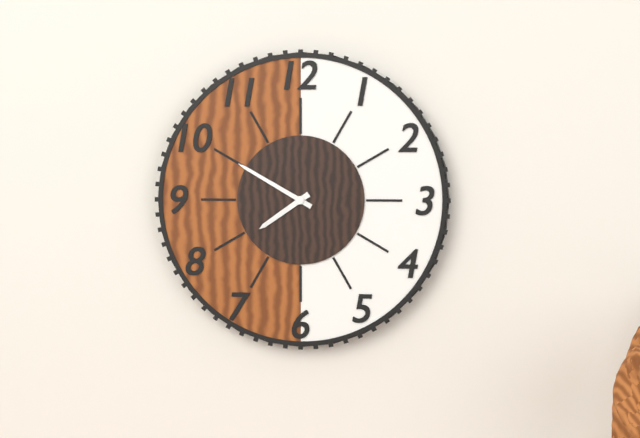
7:50
